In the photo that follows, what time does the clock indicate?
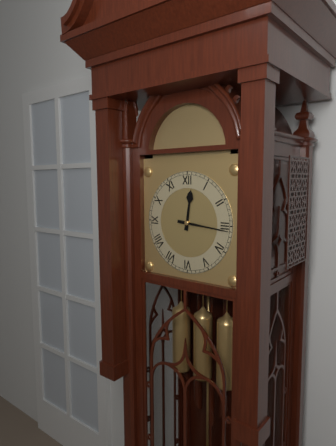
12:16
